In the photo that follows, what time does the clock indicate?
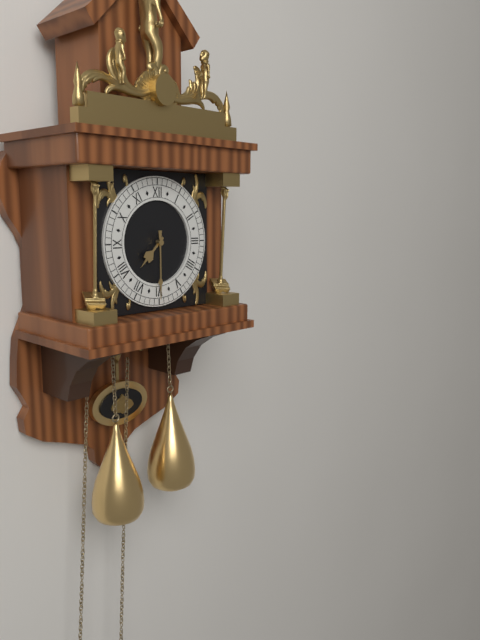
7:30
